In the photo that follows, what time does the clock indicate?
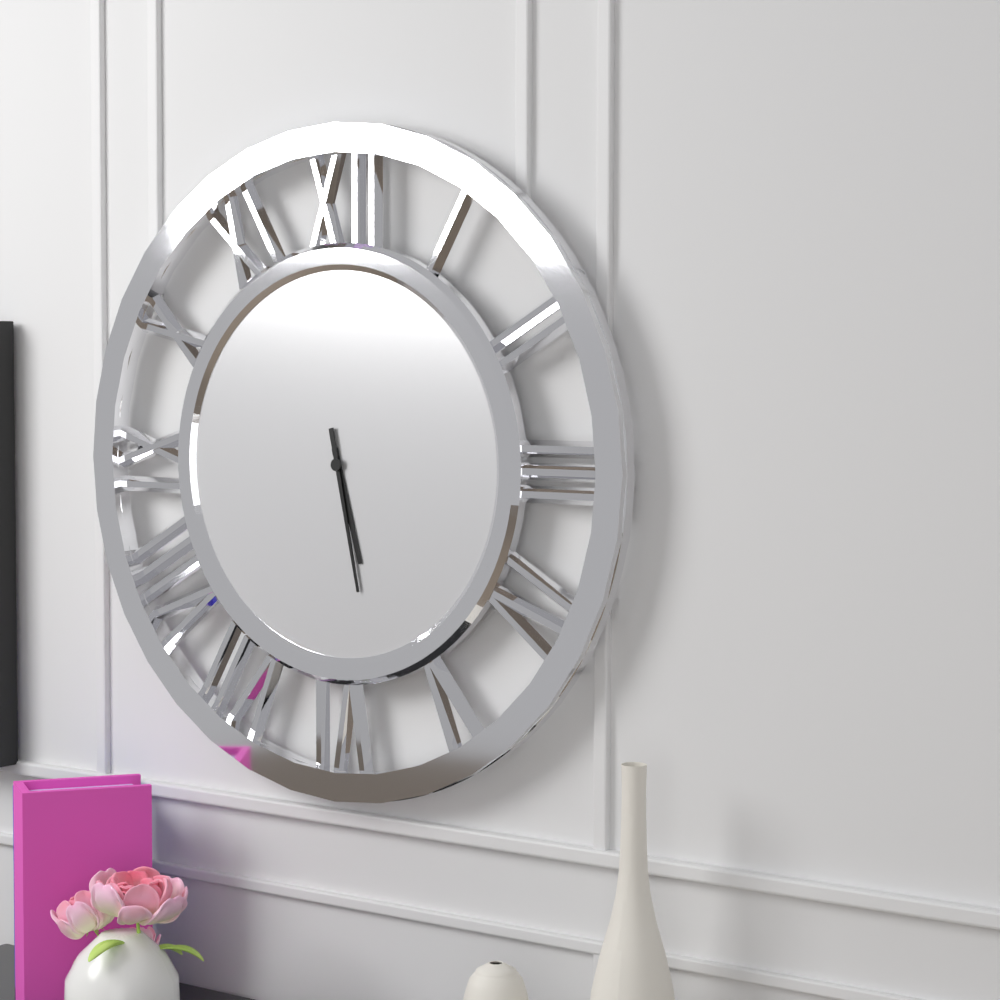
5:28
